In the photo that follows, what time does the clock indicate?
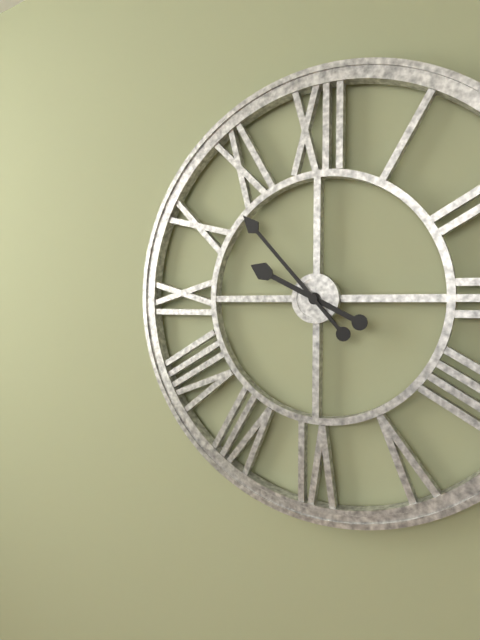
9:53
